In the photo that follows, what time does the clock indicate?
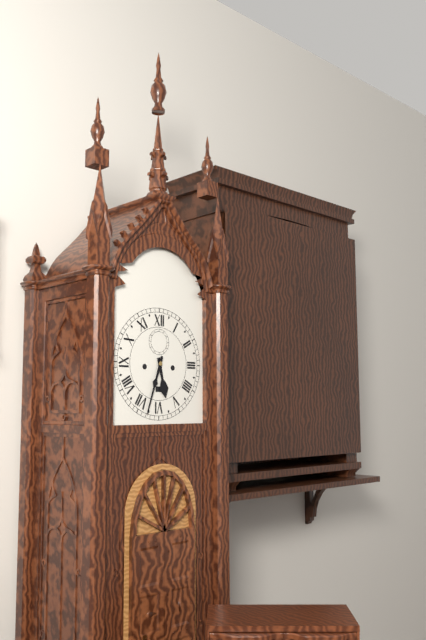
5:33
